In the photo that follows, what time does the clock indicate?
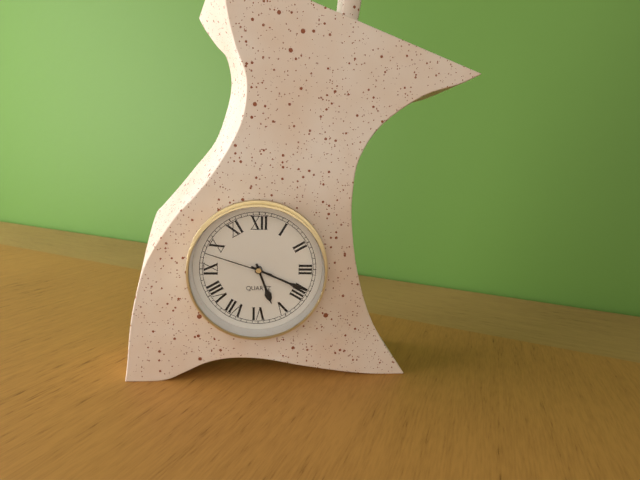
5:19:48
